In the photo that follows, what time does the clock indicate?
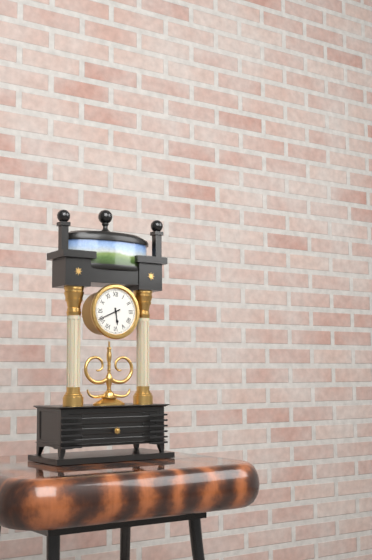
5:41
